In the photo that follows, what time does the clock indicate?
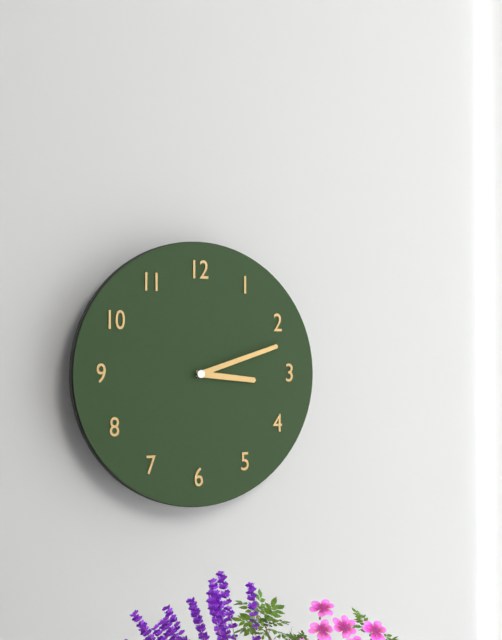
3:12
